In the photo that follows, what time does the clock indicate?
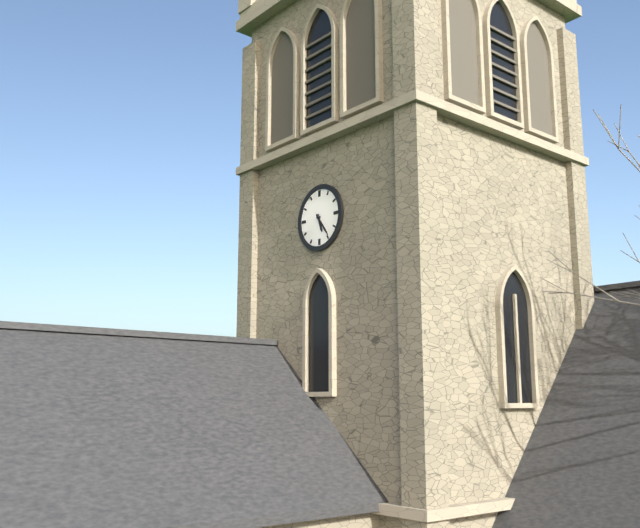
5:24
